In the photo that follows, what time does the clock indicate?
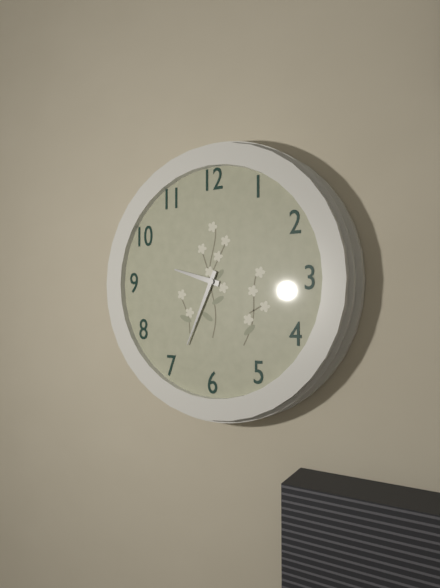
9:34
